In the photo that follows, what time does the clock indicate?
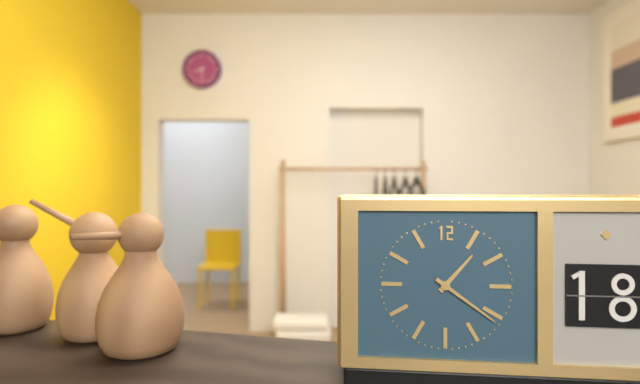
1:21
